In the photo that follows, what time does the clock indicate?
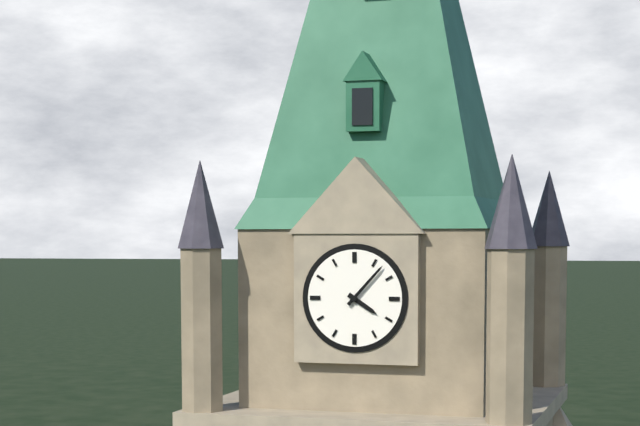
4:07
